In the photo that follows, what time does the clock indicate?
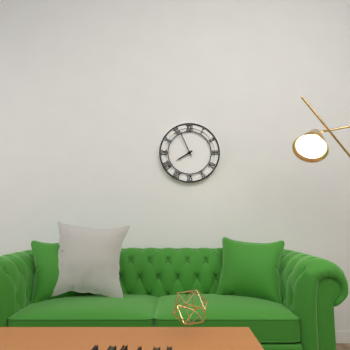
7:56
